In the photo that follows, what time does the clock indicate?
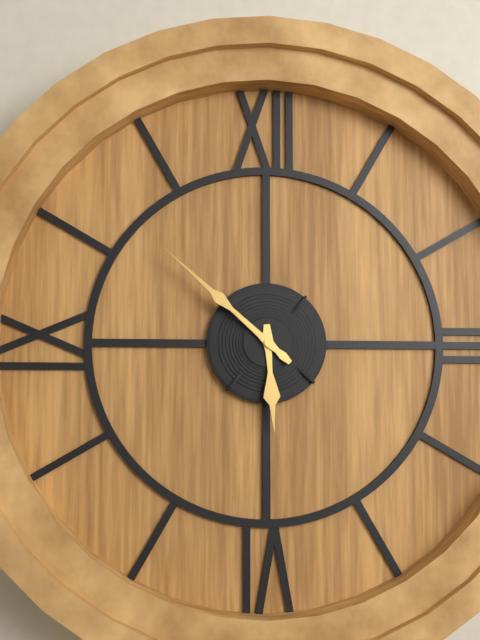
5:52
